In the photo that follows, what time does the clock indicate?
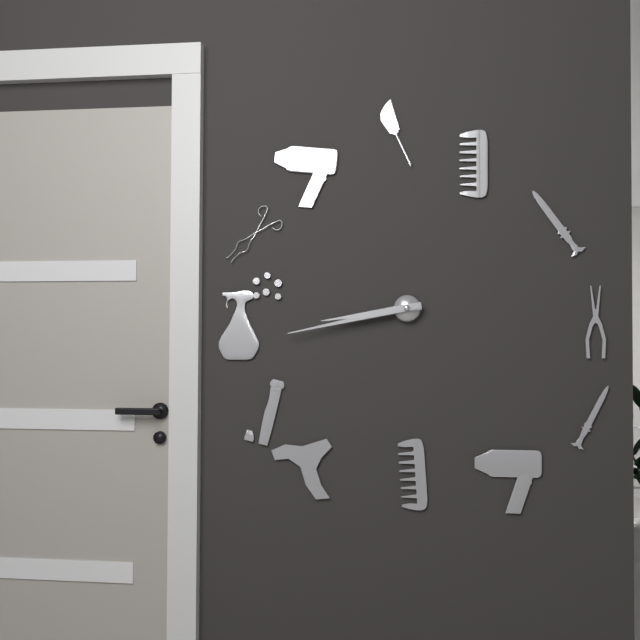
8:43
